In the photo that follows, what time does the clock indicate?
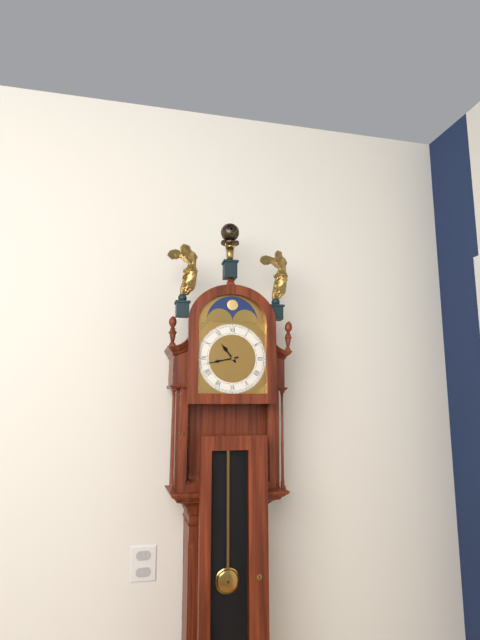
10:43
